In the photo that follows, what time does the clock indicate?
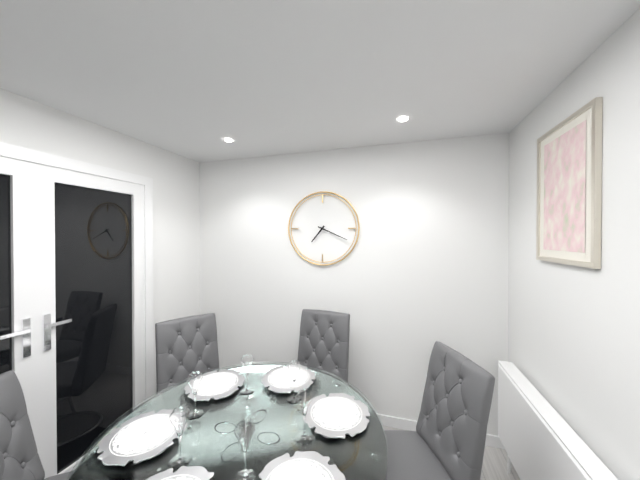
7:19
